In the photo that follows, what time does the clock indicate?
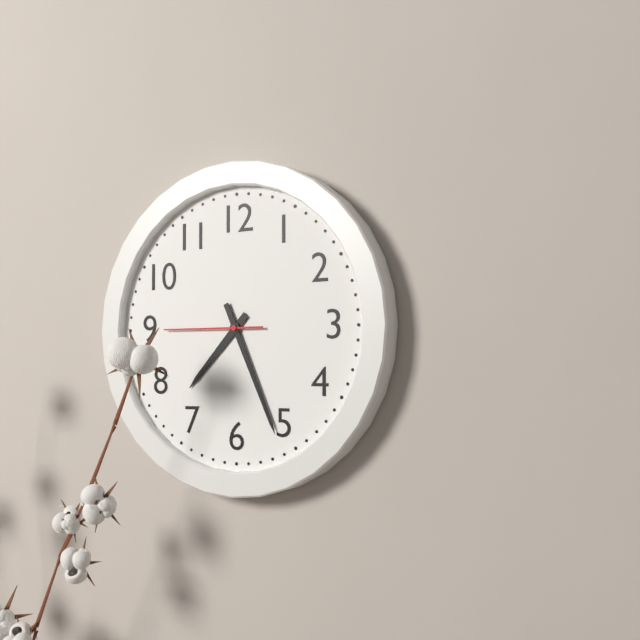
7:26:45
